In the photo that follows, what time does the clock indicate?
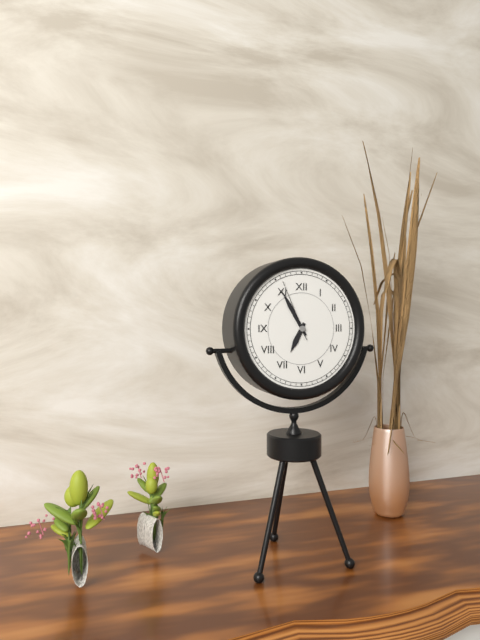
6:55:56
